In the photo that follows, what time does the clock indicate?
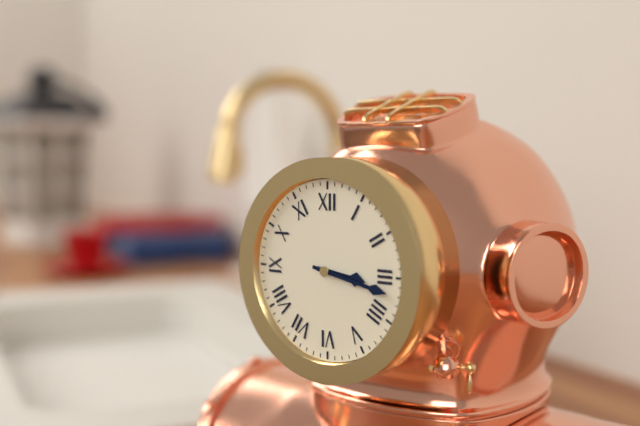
3:17
